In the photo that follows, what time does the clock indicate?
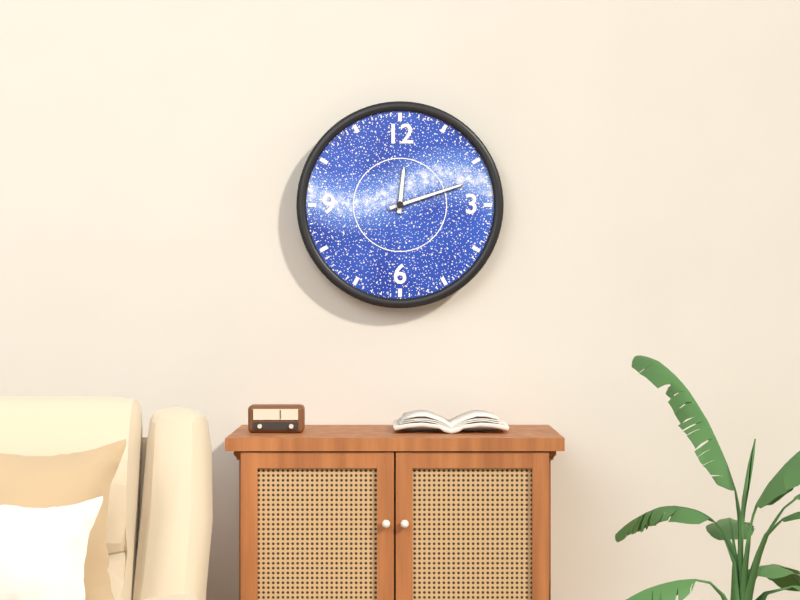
12:12
